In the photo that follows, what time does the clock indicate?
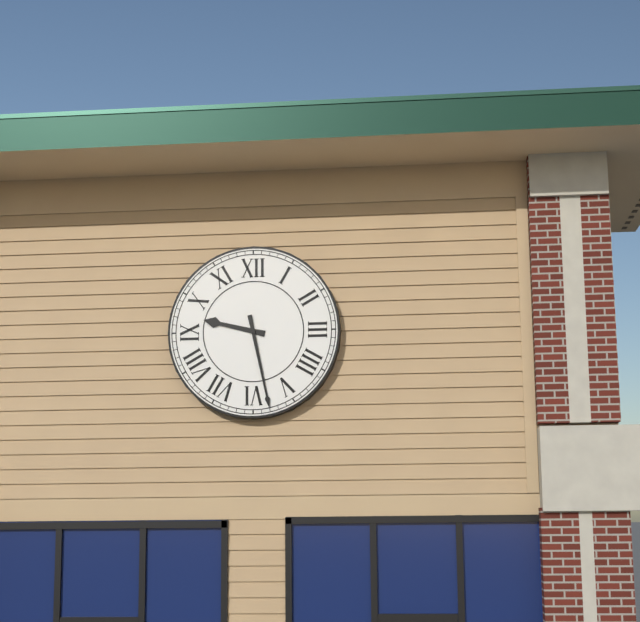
9:28
